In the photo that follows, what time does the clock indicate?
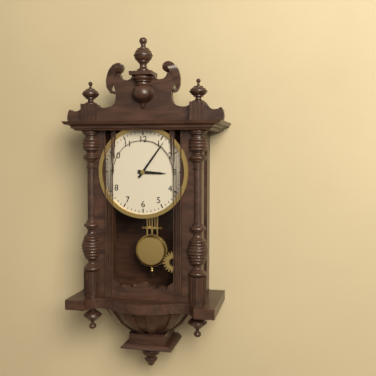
3:06
